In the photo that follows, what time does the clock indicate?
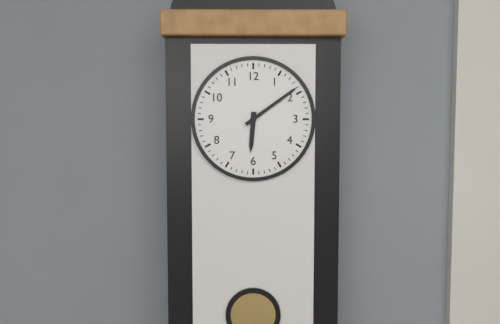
6:09
